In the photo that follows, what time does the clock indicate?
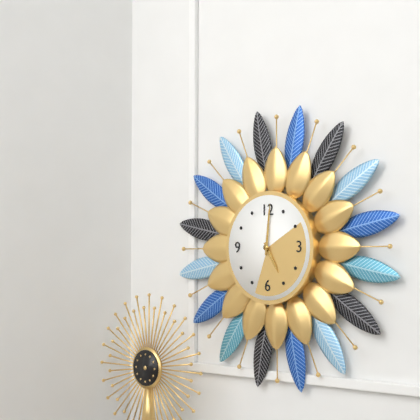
5:01
